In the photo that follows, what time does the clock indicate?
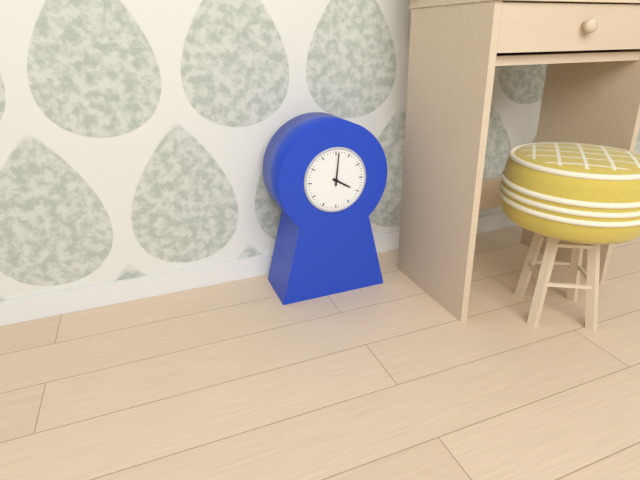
4:01
